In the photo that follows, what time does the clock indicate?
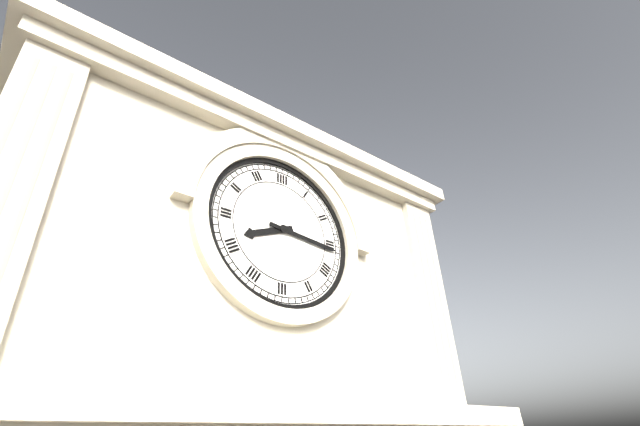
8:16
